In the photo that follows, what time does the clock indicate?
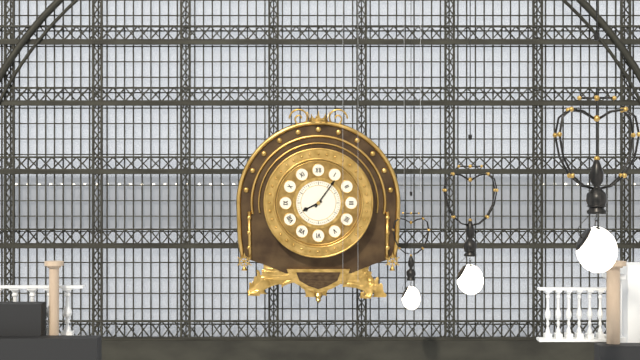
8:06
